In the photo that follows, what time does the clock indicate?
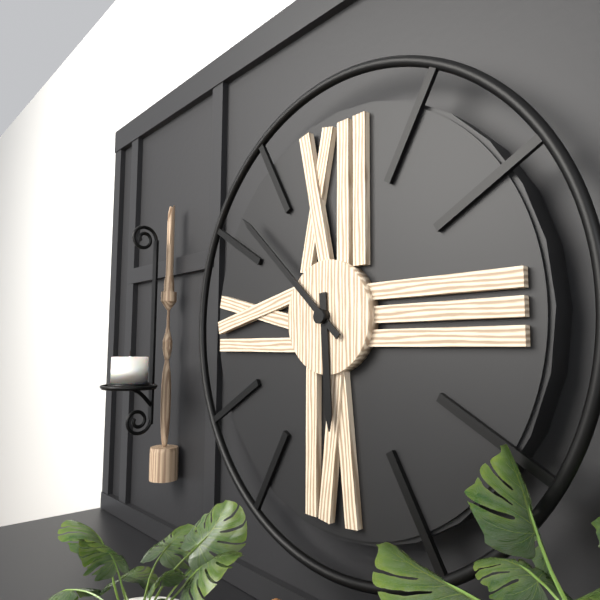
5:52
